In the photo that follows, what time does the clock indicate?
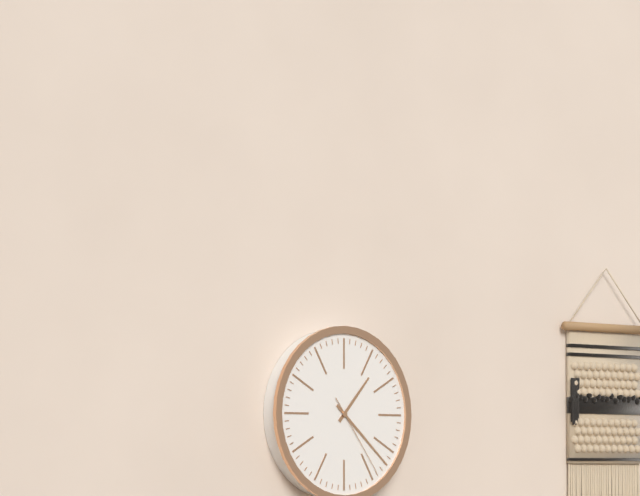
1:22:24
